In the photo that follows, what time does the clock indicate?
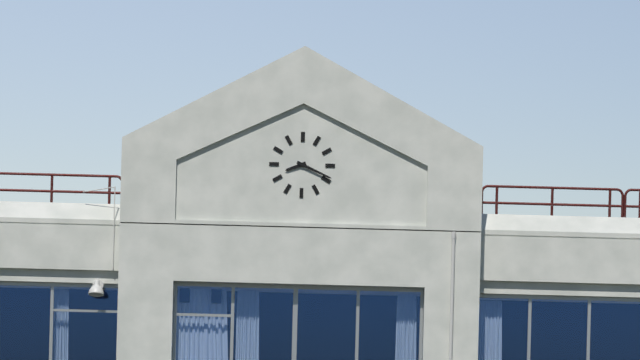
8:19
